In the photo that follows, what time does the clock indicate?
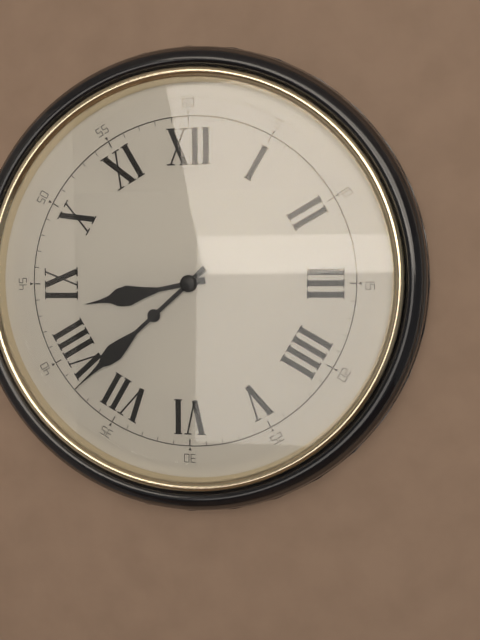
8:38
